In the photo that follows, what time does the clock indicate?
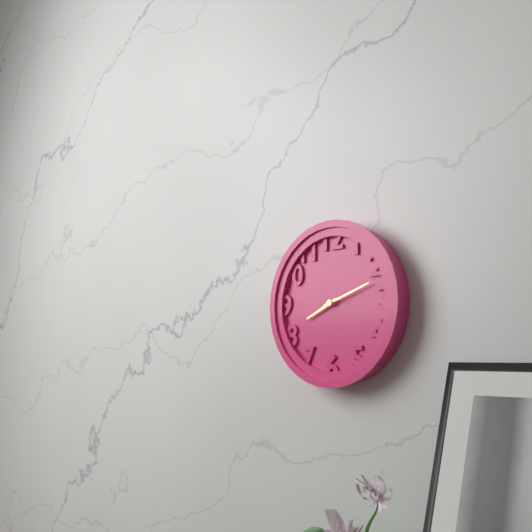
8:12
